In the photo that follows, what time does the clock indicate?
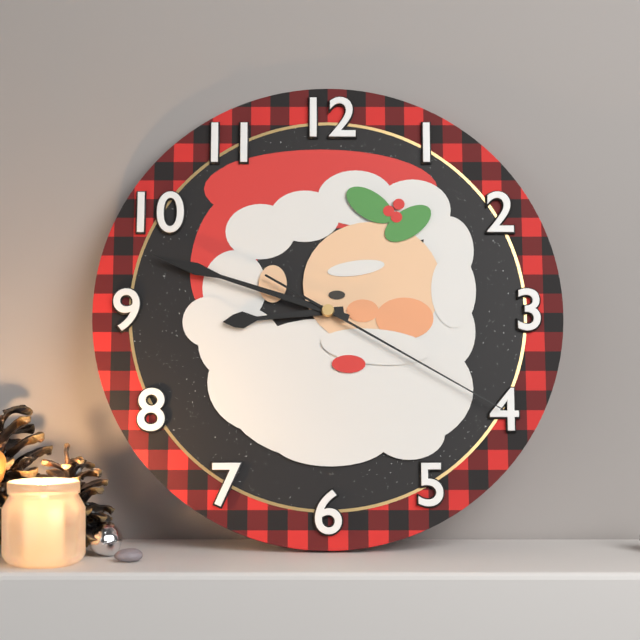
8:48:20
